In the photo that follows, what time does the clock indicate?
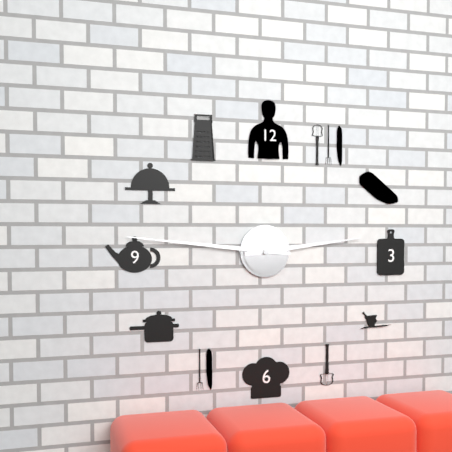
2:46
